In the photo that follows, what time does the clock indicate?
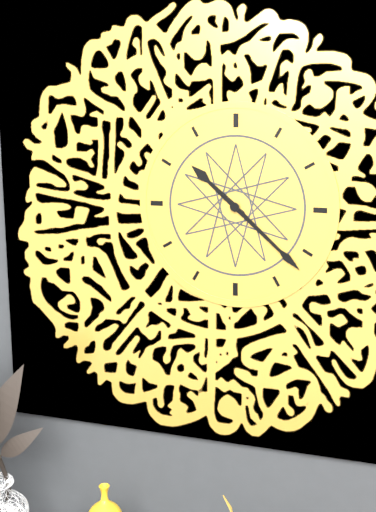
10:22
